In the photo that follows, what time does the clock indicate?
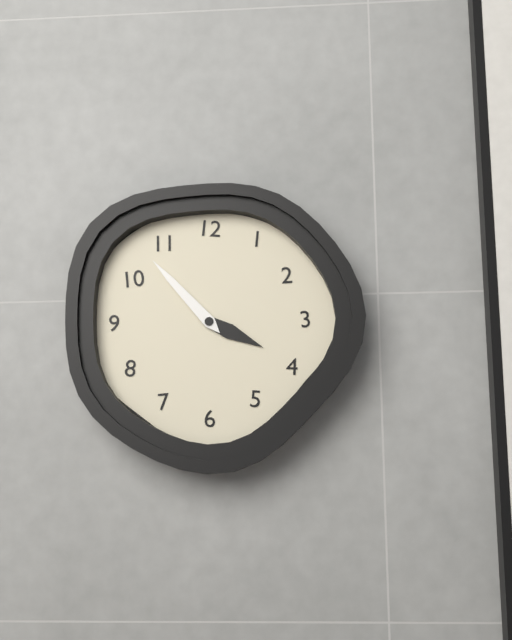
3:53
